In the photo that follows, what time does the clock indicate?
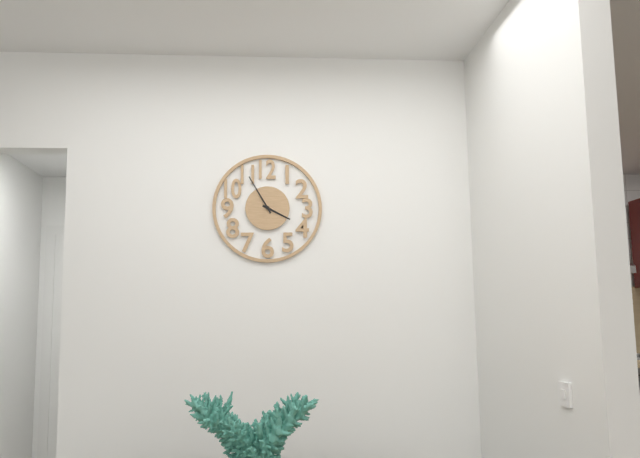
3:55
